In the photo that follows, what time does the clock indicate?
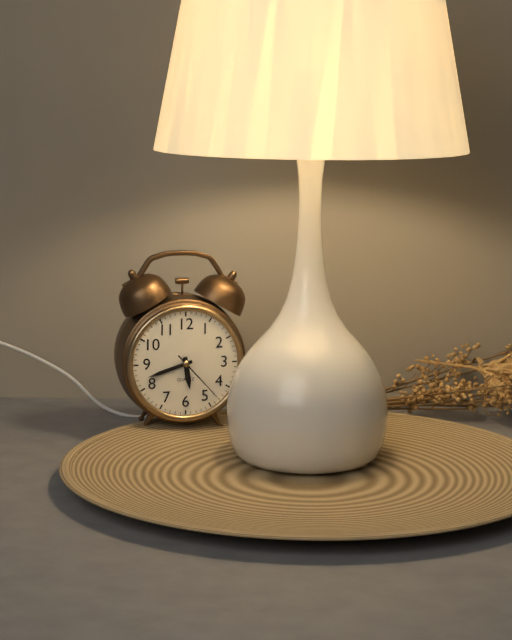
5:42:23
